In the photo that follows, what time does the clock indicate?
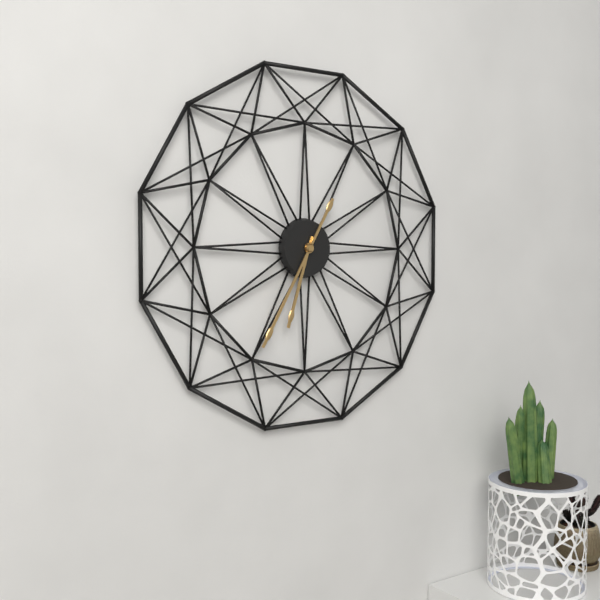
6:35
